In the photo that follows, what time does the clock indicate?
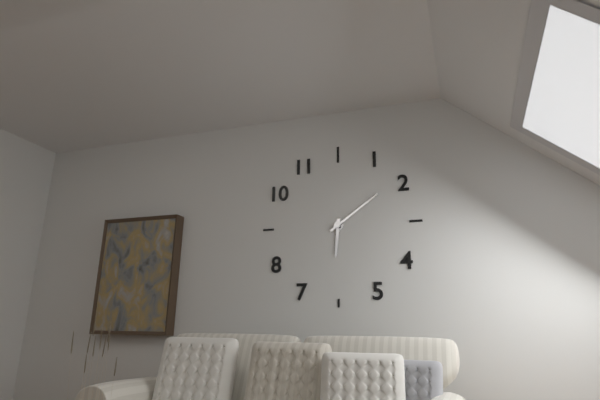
6:09
